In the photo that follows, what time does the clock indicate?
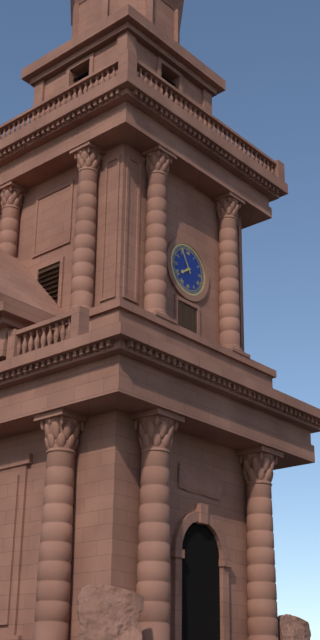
7:55
